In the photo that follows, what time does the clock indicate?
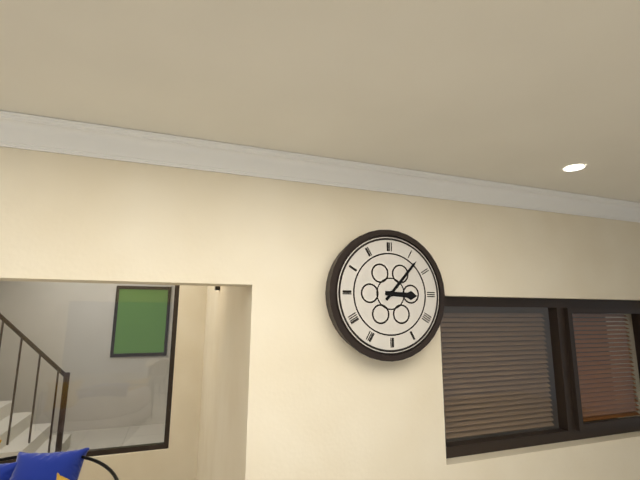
3:07
